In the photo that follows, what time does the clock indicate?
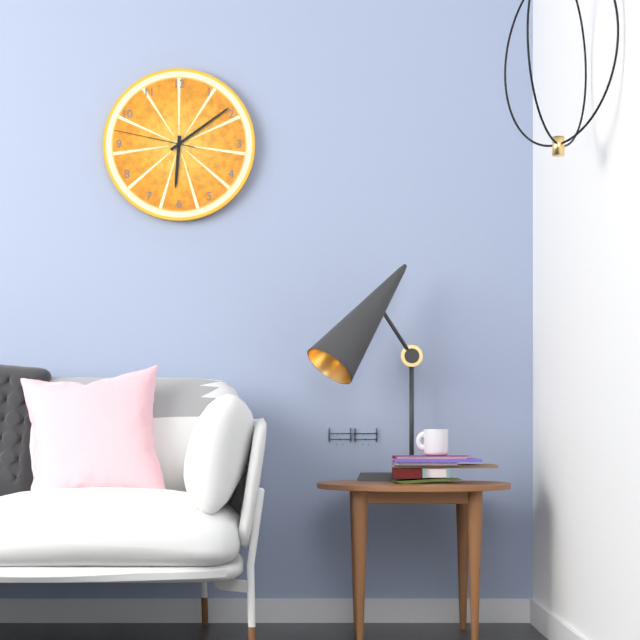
6:09:47
